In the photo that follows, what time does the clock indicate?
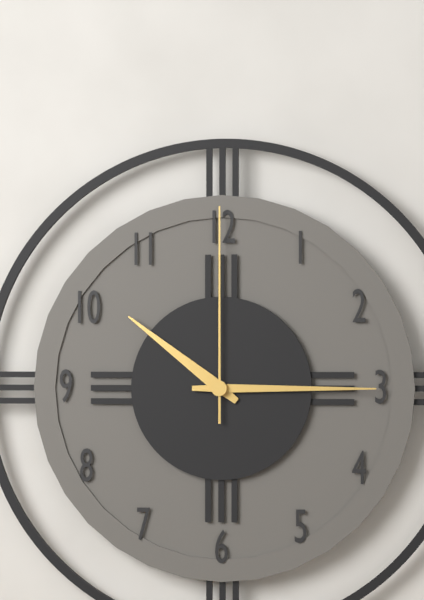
10:15:00
